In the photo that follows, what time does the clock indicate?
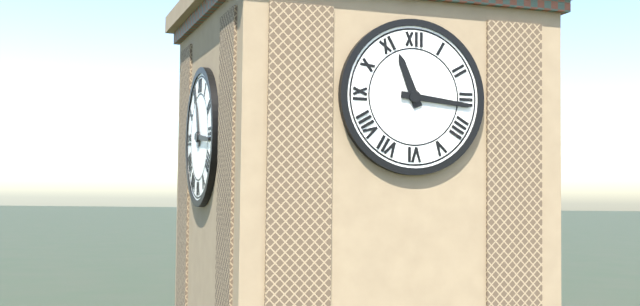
11:16
